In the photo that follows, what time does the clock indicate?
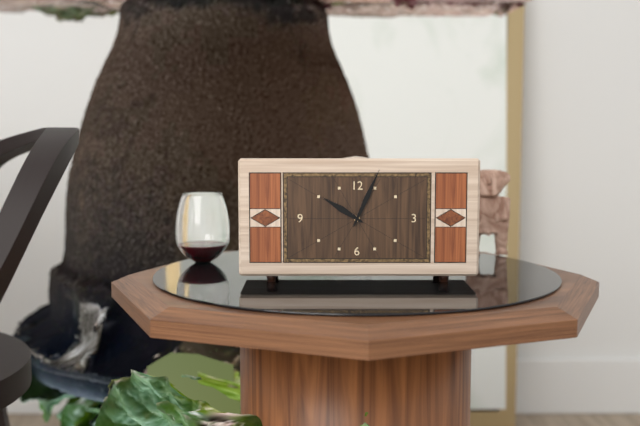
10:04
